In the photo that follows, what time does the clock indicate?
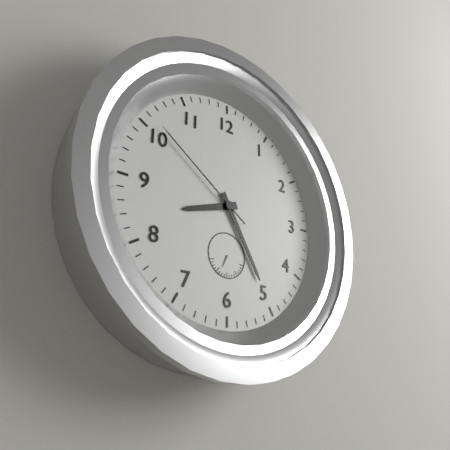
8:25:51
